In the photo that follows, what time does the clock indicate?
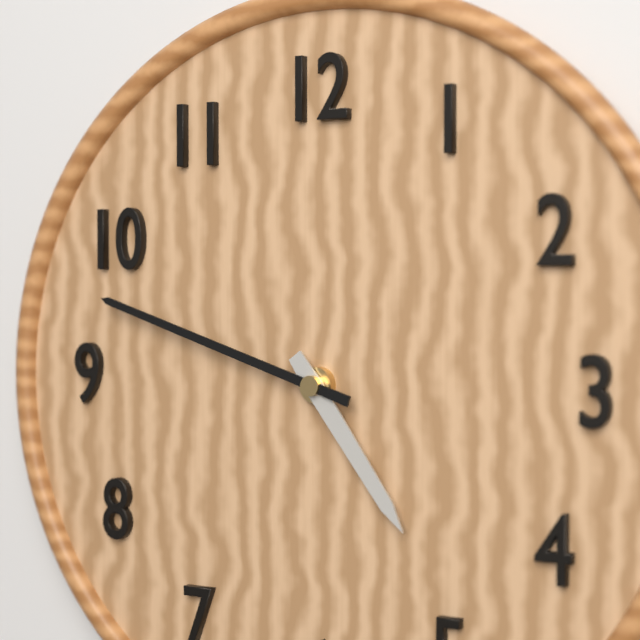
4:48
